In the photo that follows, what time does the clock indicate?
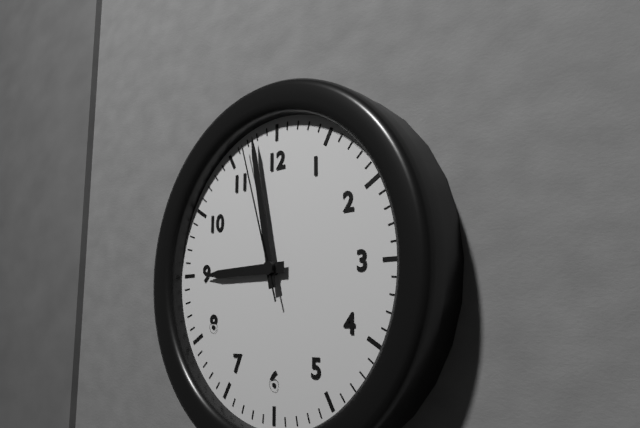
8:58:57
